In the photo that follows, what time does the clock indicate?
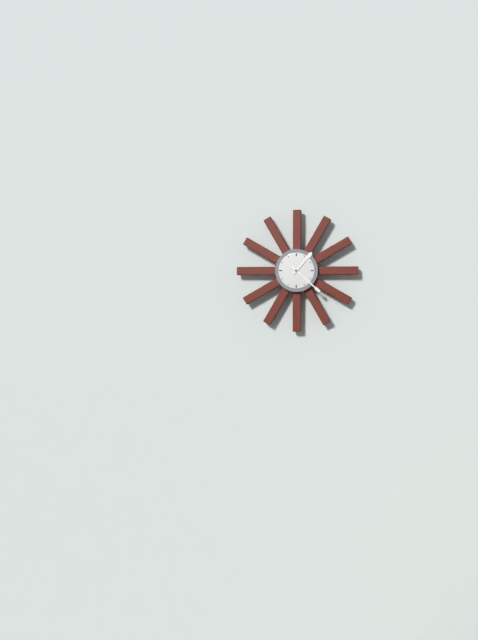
1:22
